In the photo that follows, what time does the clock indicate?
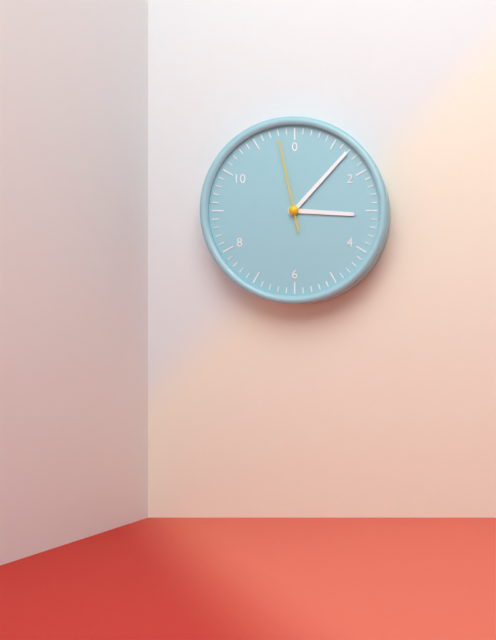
3:07:58
